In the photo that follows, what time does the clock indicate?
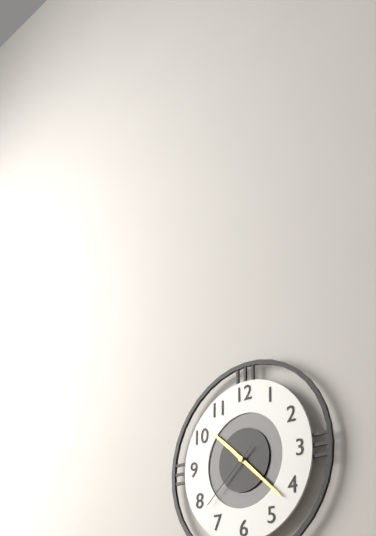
10:22:38
